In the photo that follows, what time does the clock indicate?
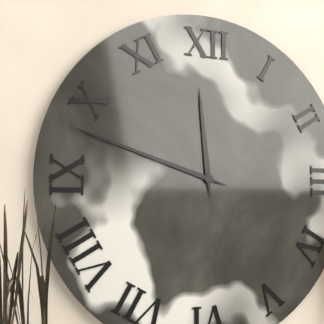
11:48
